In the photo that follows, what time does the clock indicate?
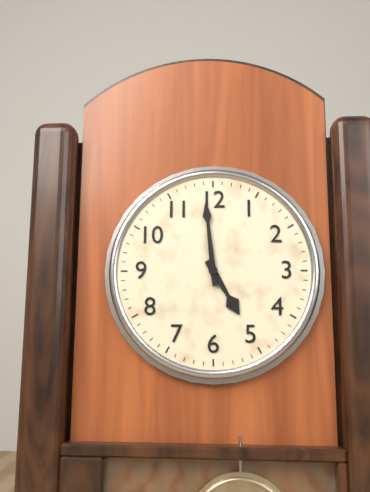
4:59
